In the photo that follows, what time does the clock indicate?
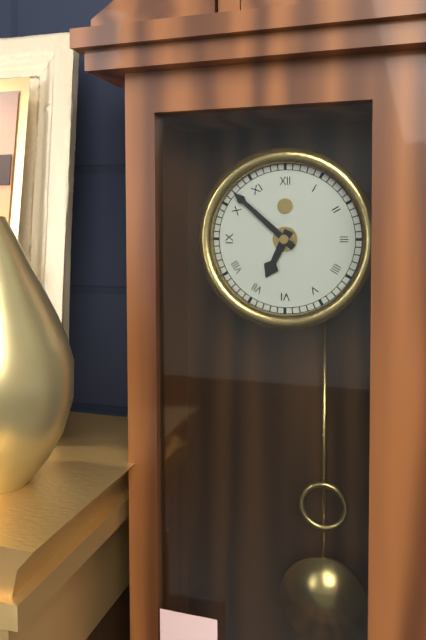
6:52
